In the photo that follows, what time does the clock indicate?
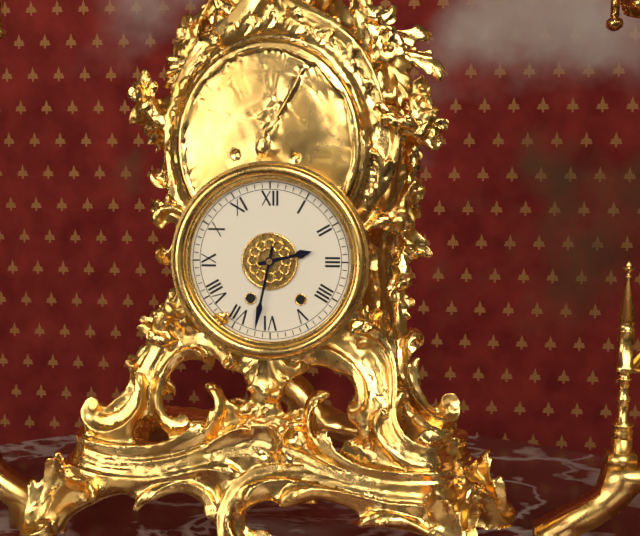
2:32
